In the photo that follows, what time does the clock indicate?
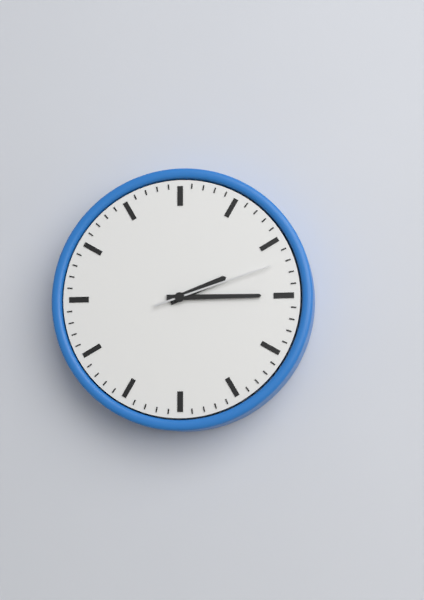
2:15:12
